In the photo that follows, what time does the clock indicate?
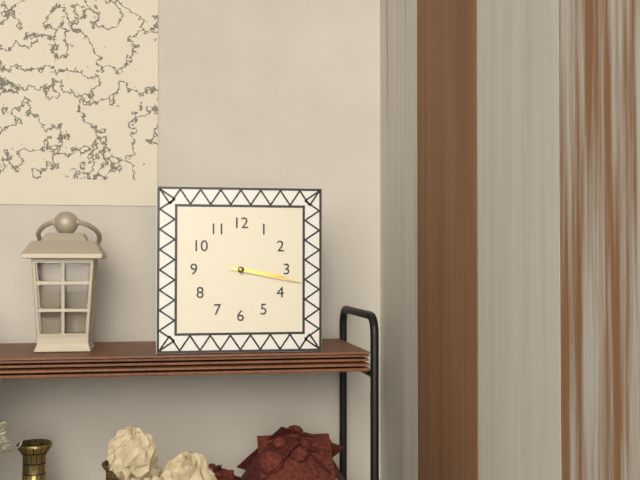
3:17
